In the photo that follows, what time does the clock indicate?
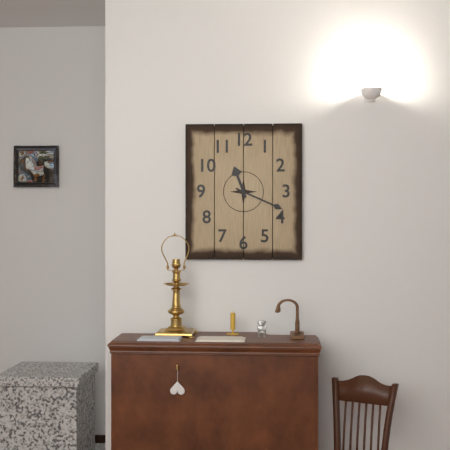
11:19
